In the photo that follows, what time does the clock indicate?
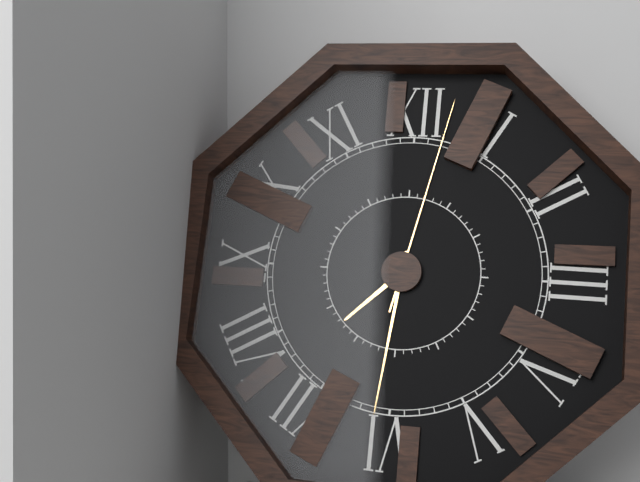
7:31:02
